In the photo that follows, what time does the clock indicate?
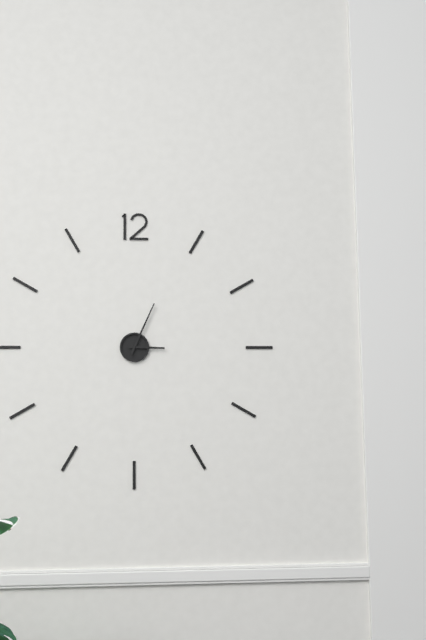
3:04
